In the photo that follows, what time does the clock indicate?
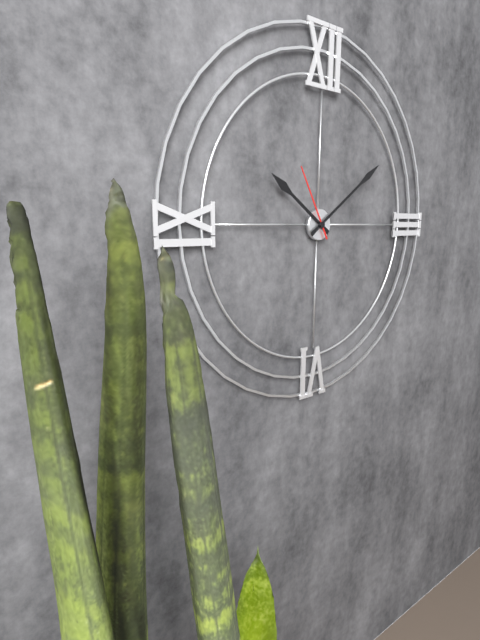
10:09:55
